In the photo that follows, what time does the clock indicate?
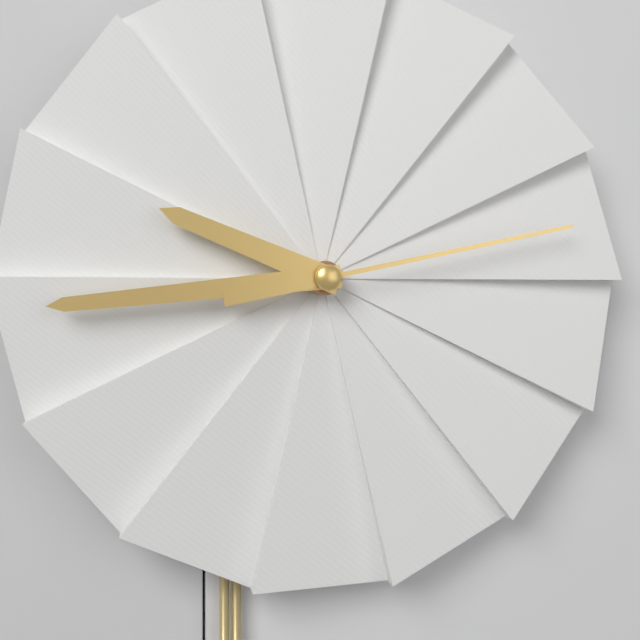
9:44:13
